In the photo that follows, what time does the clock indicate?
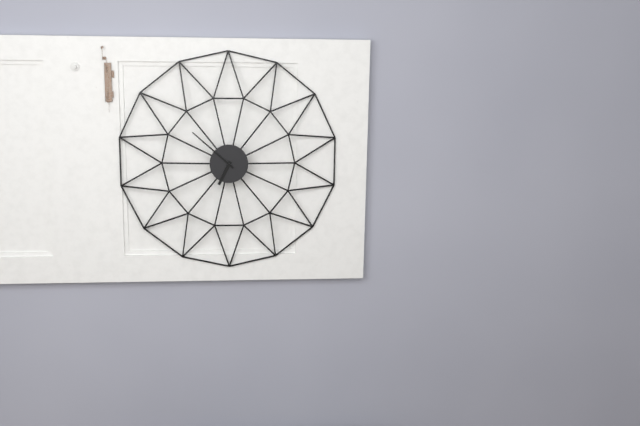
6:52
